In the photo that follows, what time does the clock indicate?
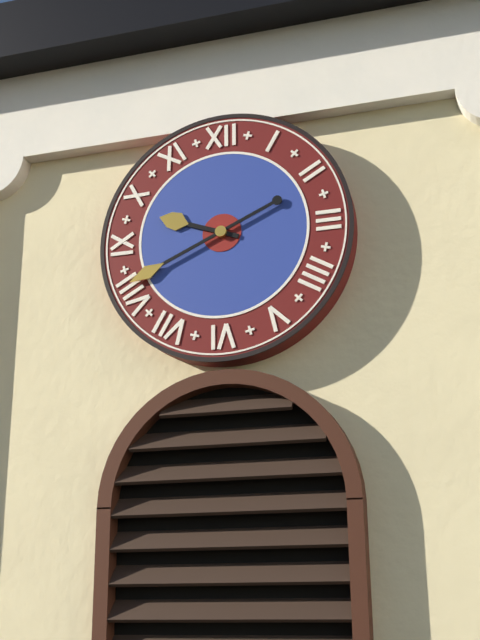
9:41
